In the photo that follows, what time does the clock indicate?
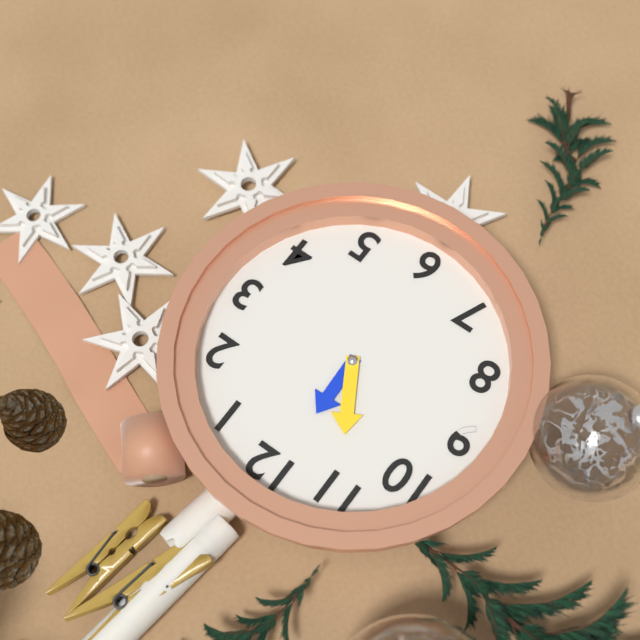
11:55
